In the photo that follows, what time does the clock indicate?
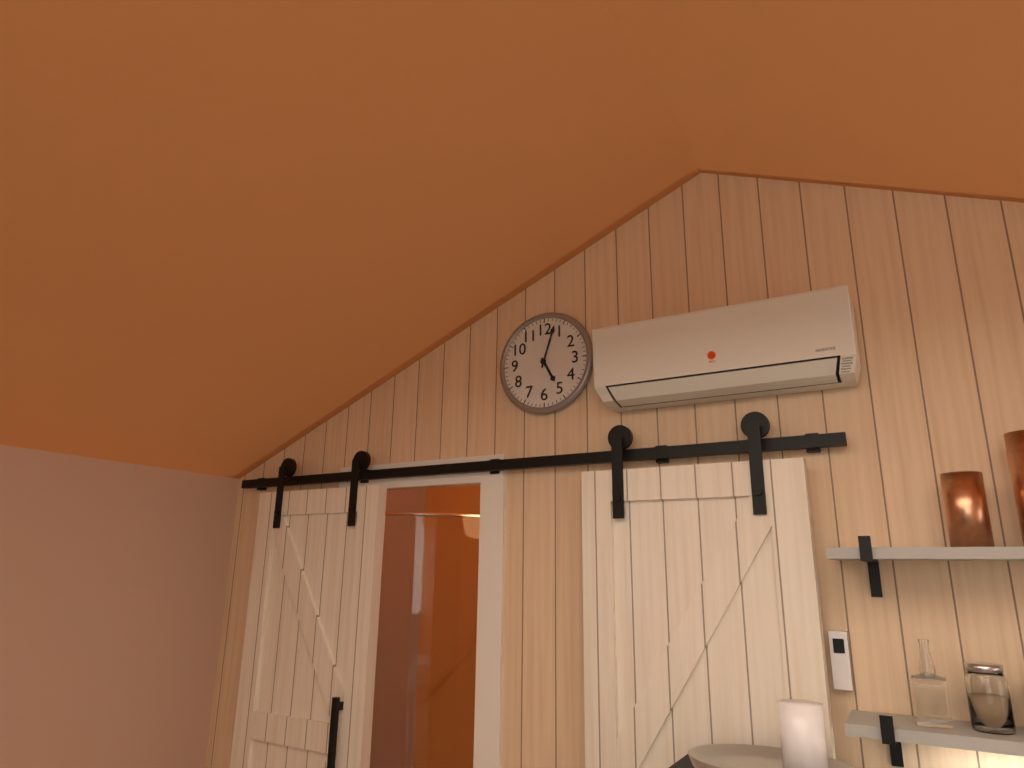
5:03
